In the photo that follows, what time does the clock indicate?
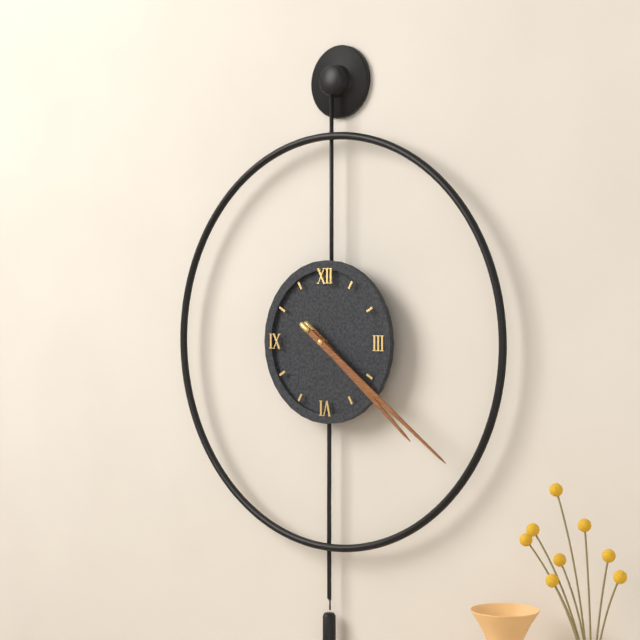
4:21
